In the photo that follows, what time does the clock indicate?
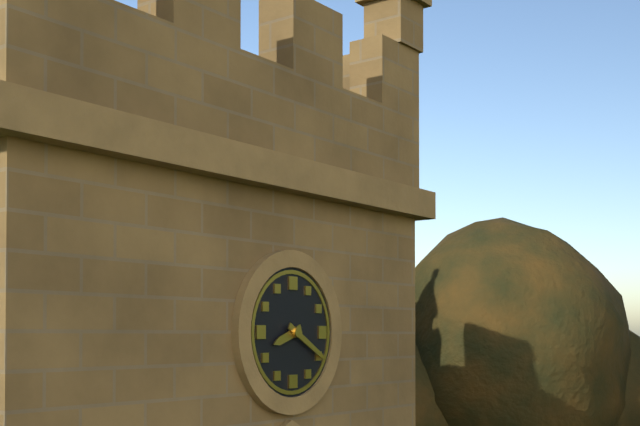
8:20
